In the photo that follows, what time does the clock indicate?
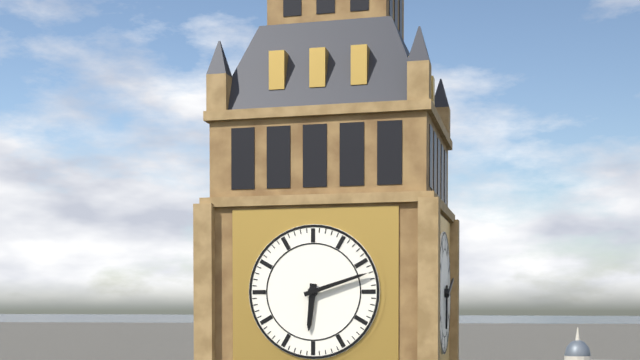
6:12
